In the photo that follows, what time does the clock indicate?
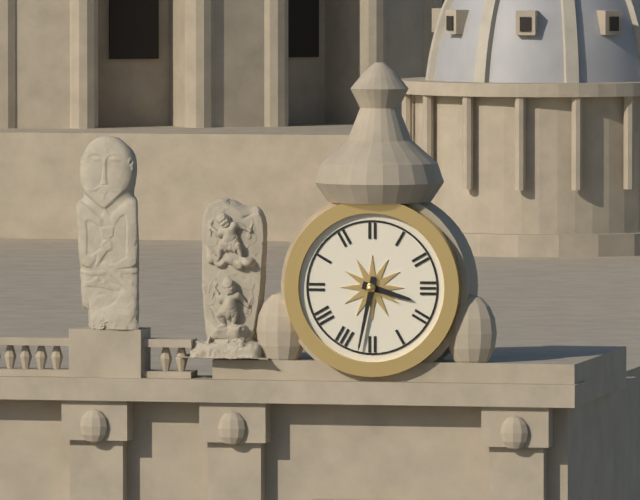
3:32
